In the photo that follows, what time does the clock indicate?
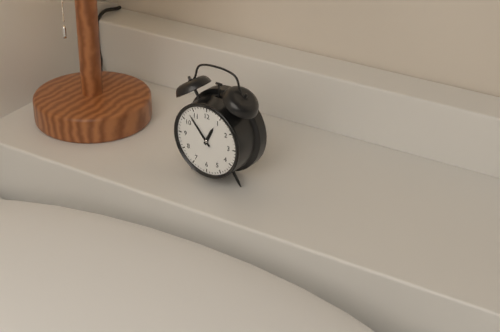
12:53
